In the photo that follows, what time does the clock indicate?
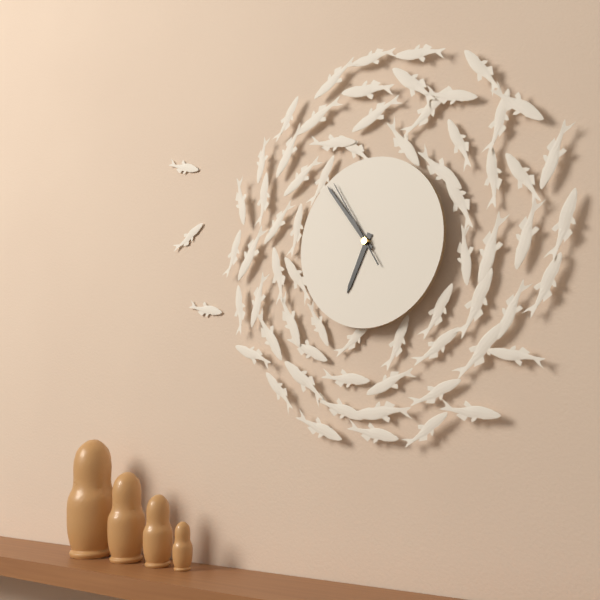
6:54:55
